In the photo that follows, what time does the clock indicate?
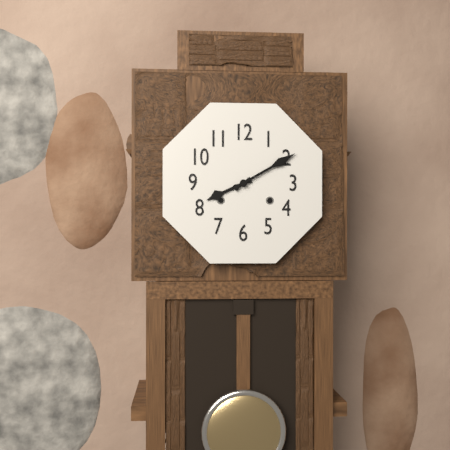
8:10
